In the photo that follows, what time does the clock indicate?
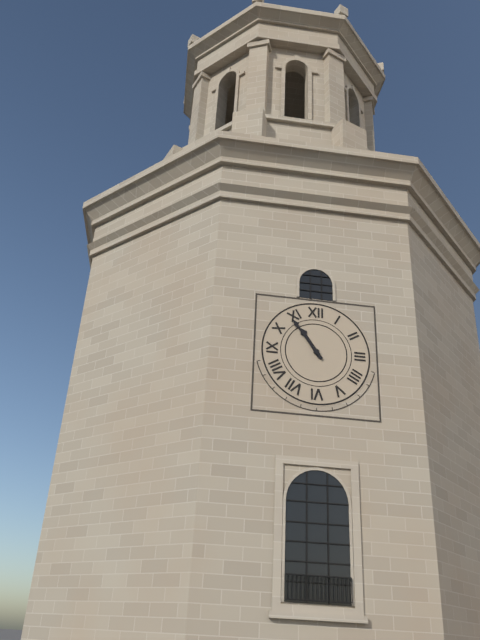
10:54
